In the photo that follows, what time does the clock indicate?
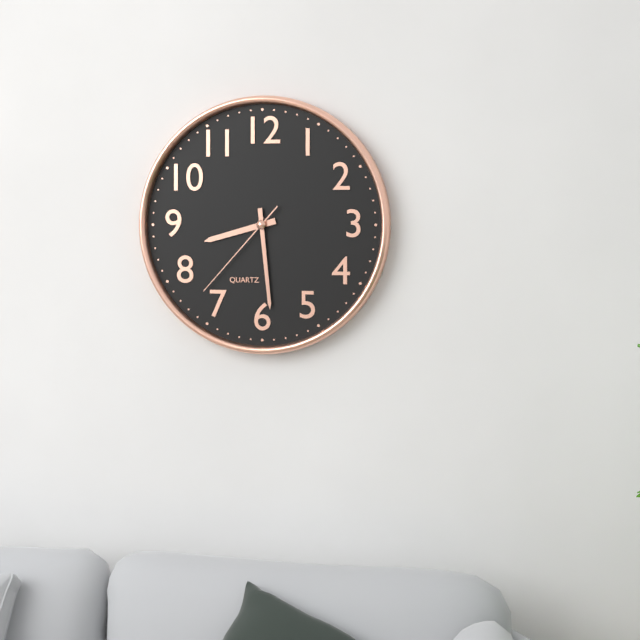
8:29:37
